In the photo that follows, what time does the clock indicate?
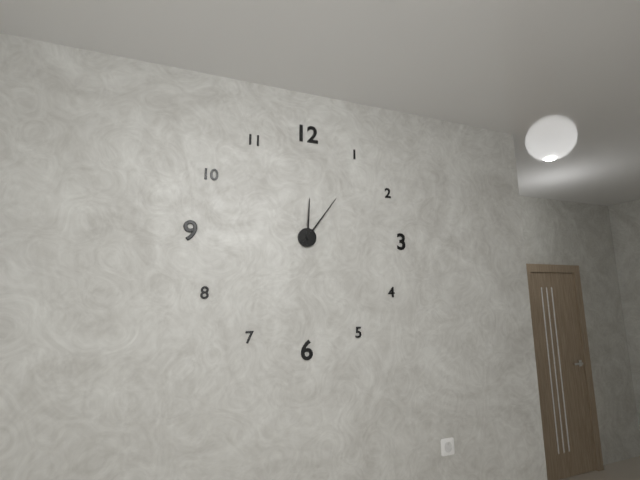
12:06
